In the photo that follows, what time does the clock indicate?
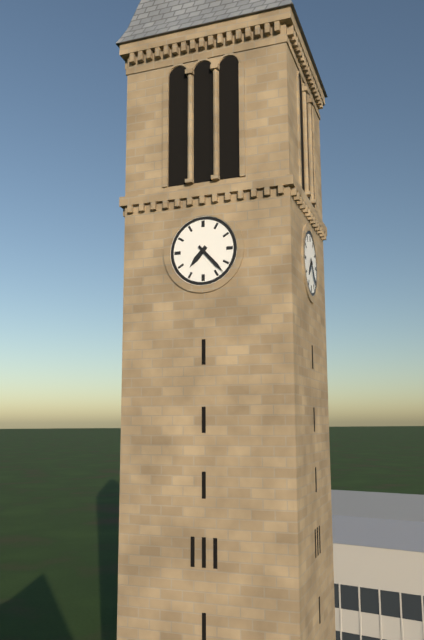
7:23
